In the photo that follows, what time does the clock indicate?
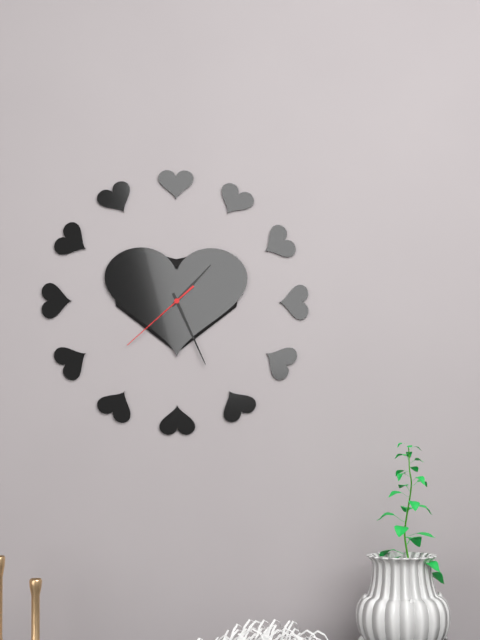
1:26:38
